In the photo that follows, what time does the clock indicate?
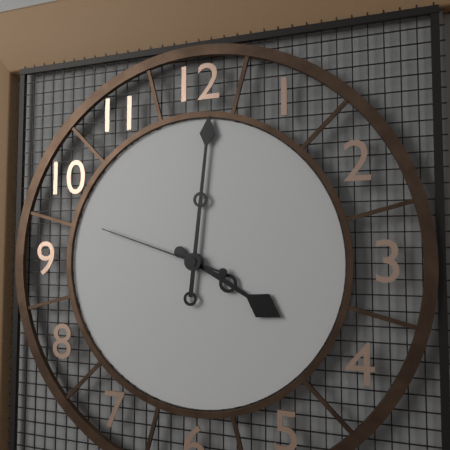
4:01:48
